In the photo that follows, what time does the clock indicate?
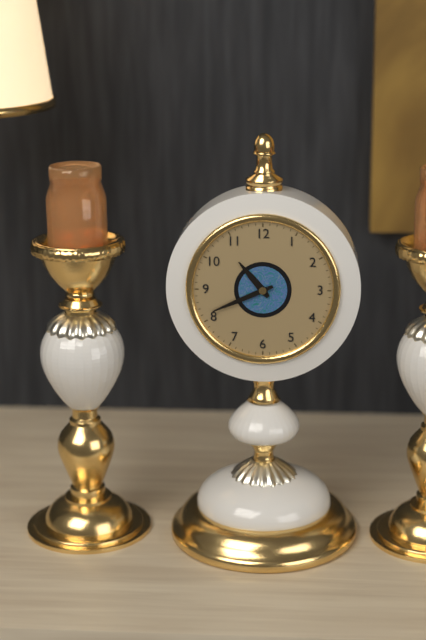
10:41
